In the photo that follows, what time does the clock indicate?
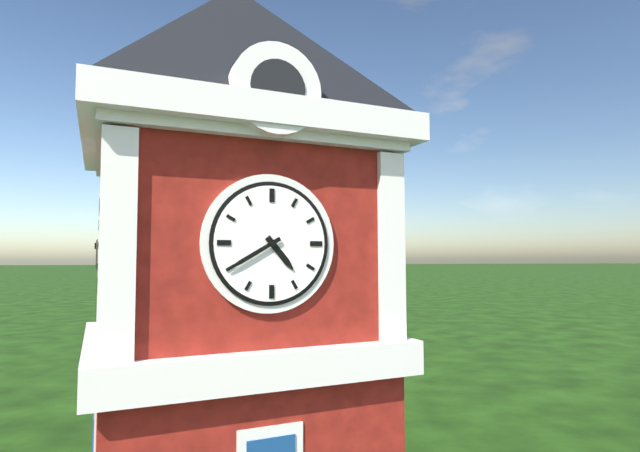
4:40
